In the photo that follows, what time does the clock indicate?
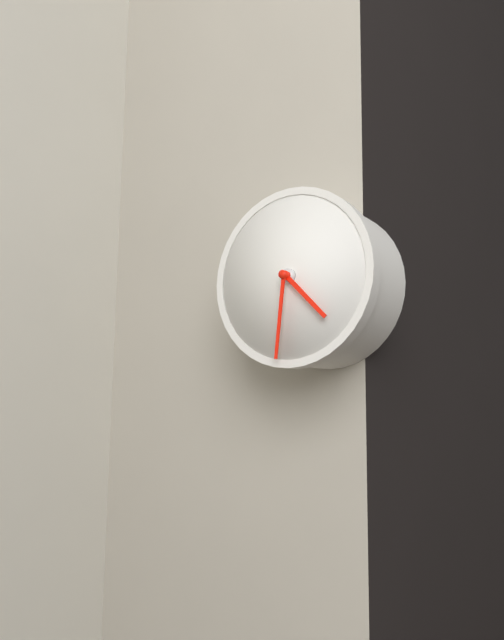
4:31
